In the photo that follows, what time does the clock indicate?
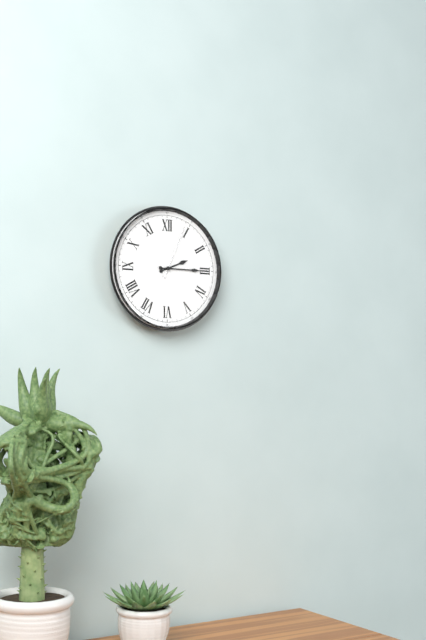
2:15:04
